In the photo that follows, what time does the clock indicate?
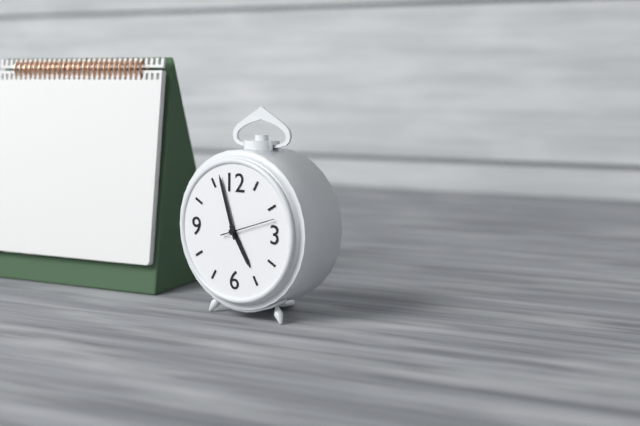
4:57
